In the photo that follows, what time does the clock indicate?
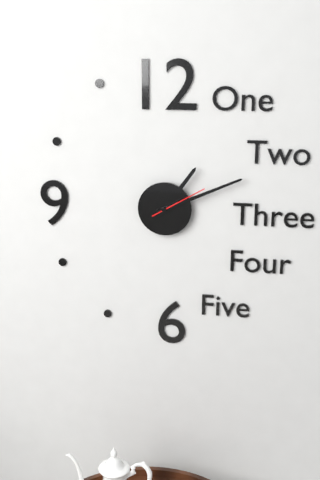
1:11:10
